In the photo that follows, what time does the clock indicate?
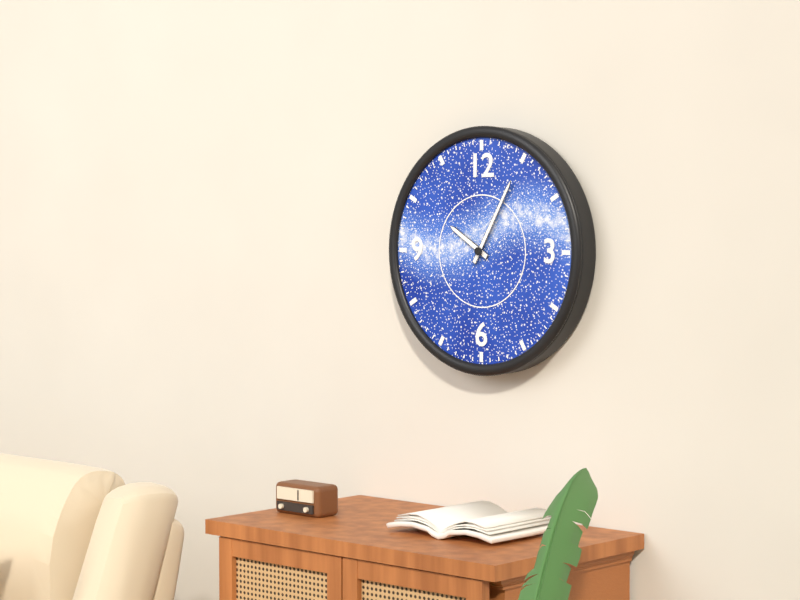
10:05
